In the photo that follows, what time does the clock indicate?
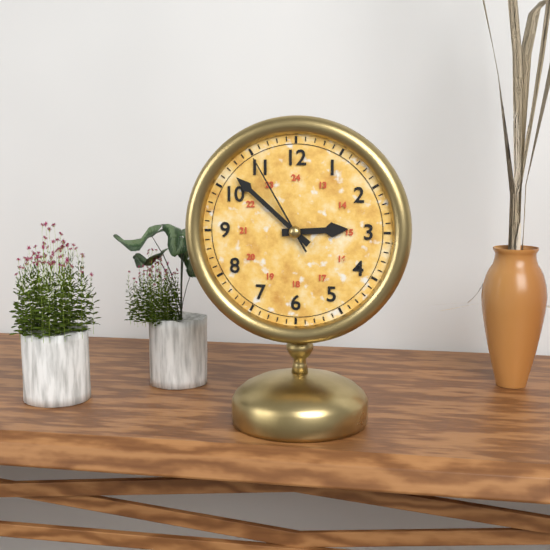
2:52:55
